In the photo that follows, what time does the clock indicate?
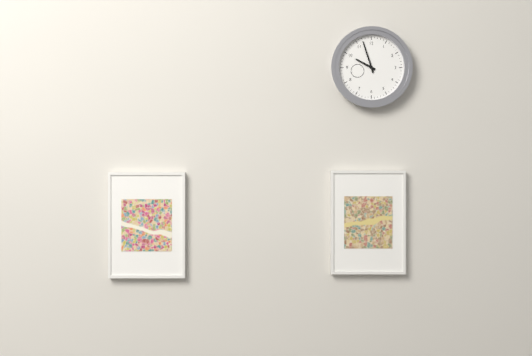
9:57
